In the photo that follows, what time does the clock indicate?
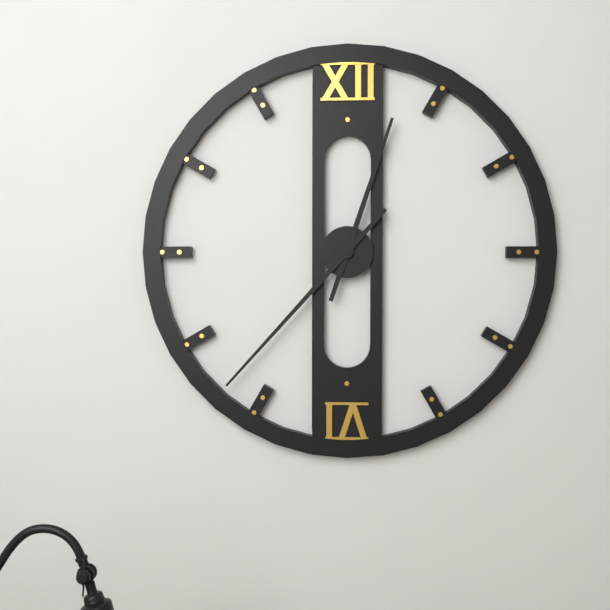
12:37
